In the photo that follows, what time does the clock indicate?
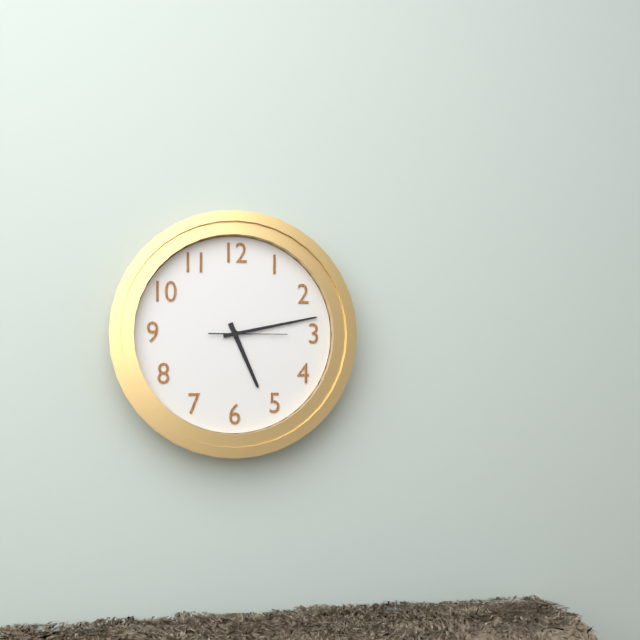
5:13:15
